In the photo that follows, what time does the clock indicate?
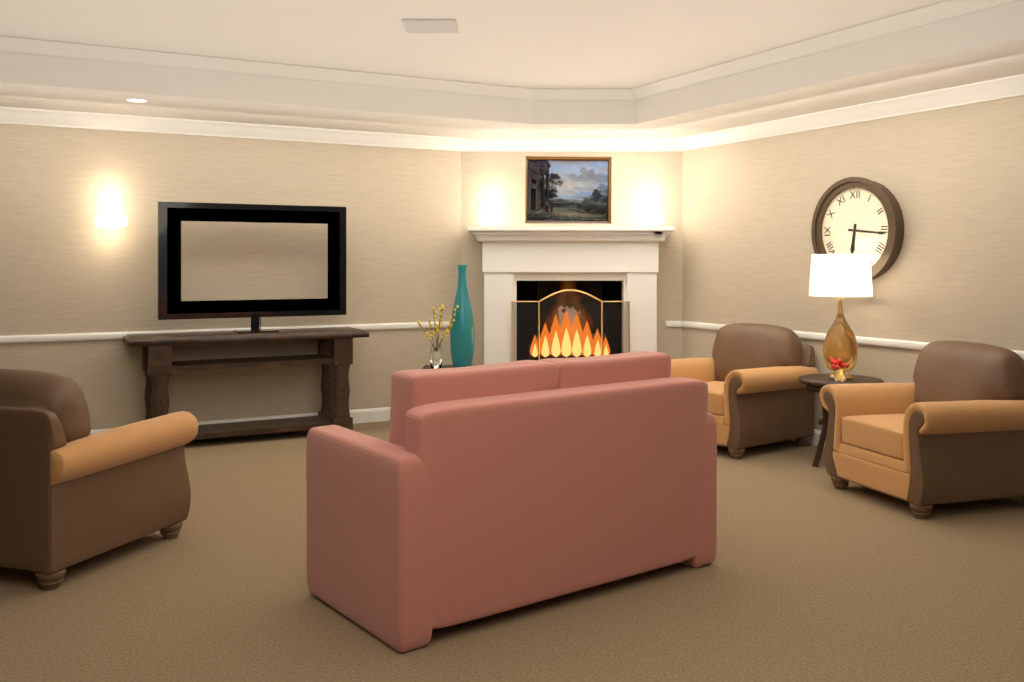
6:16
